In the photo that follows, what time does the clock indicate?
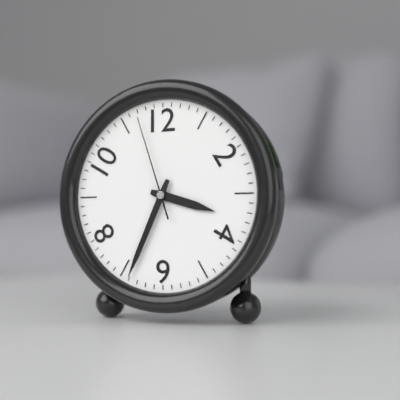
3:34:57
